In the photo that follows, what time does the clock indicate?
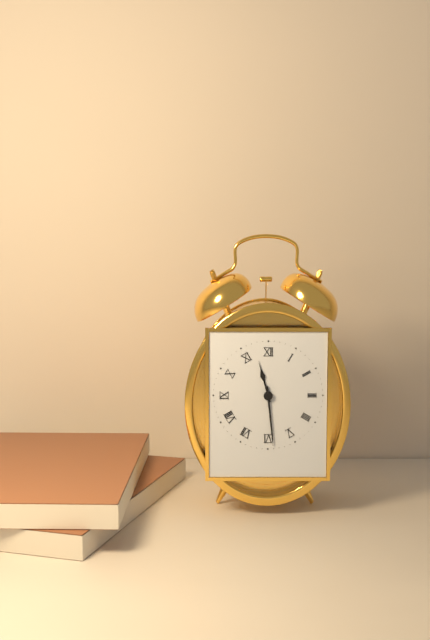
11:29
